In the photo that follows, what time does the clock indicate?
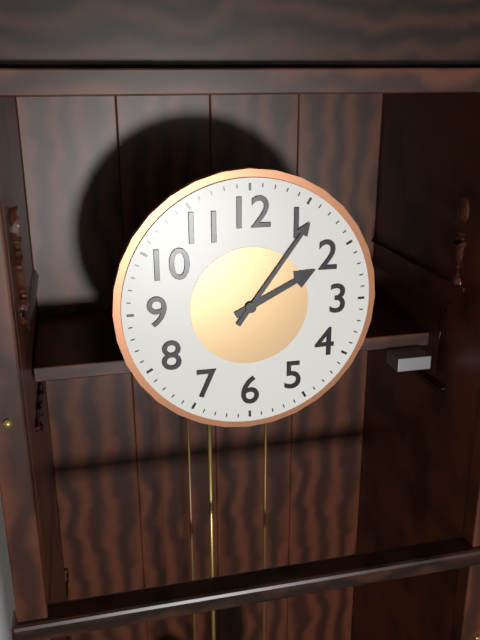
2:06
